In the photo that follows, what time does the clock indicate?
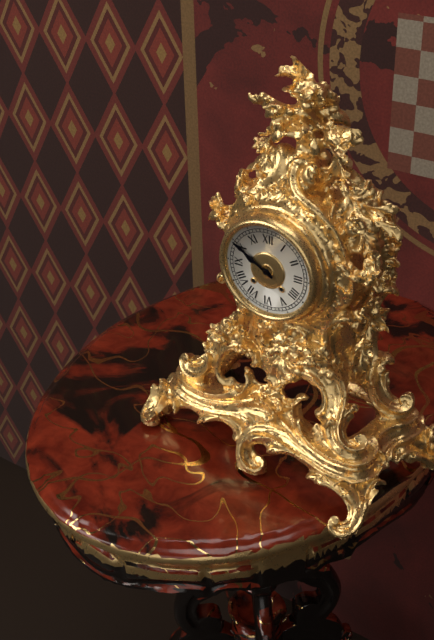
9:50
